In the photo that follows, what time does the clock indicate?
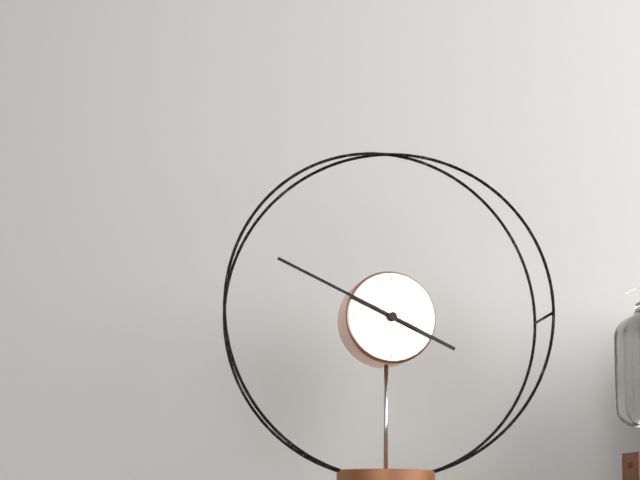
3:49
